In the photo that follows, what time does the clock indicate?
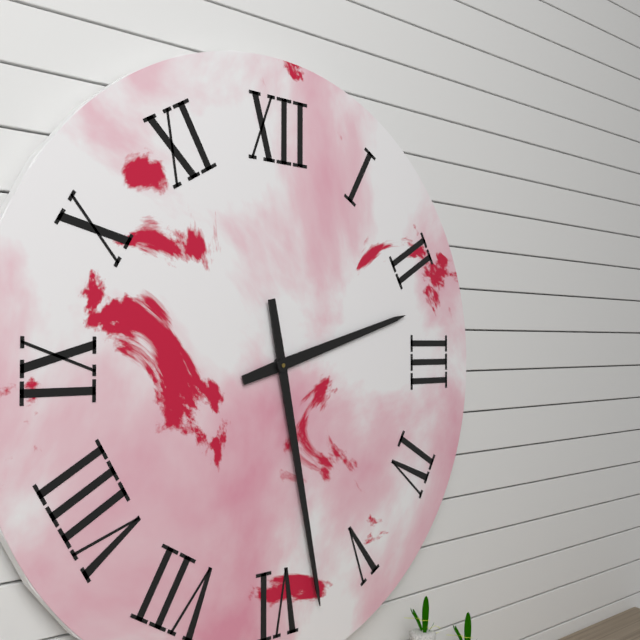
2:28
